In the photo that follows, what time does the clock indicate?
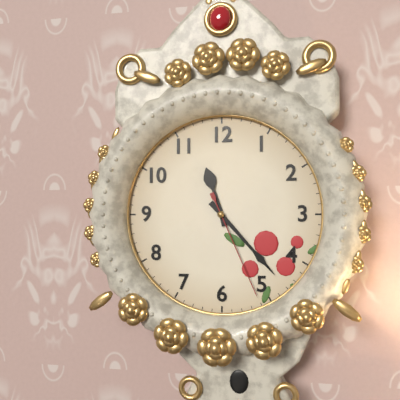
11:23:26
